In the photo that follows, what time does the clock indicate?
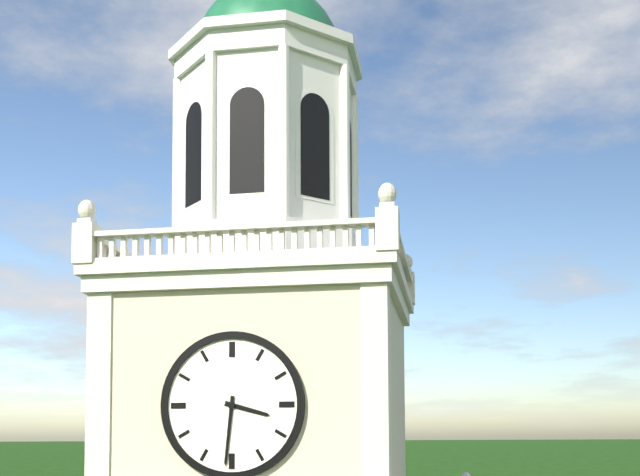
3:31
